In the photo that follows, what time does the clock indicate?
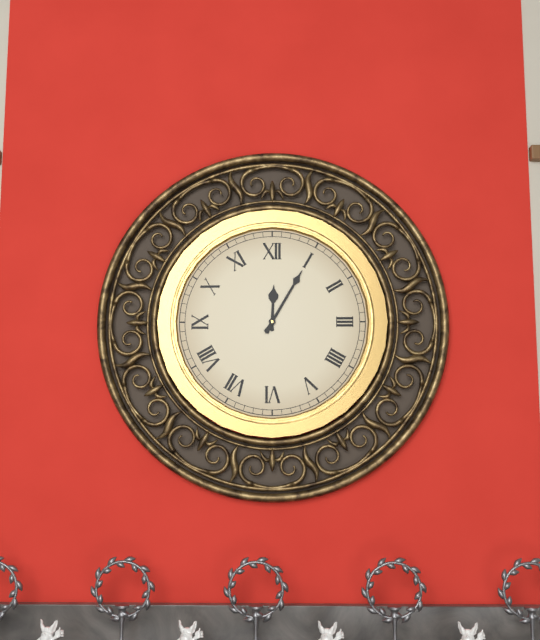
12:05
